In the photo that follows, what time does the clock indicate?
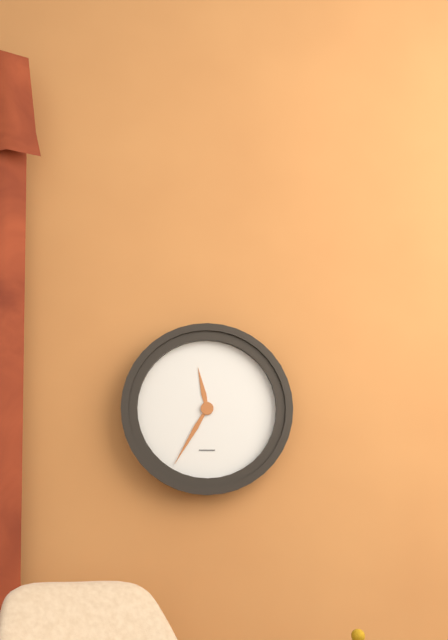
11:35
